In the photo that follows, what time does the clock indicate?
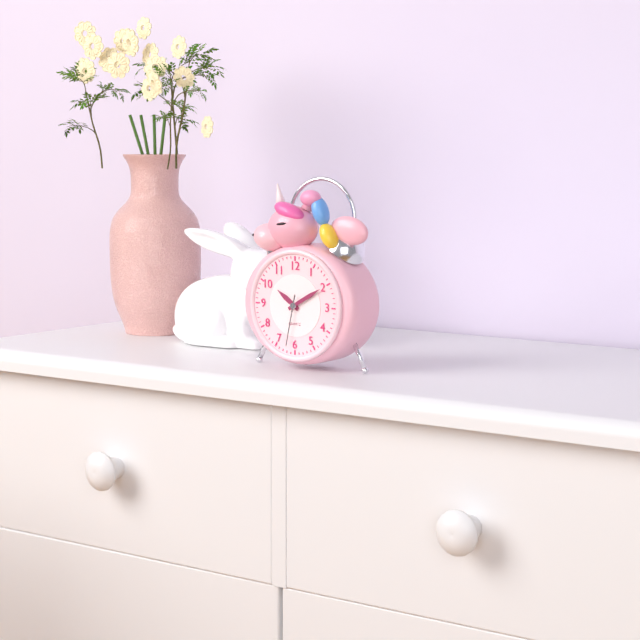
10:10:32
